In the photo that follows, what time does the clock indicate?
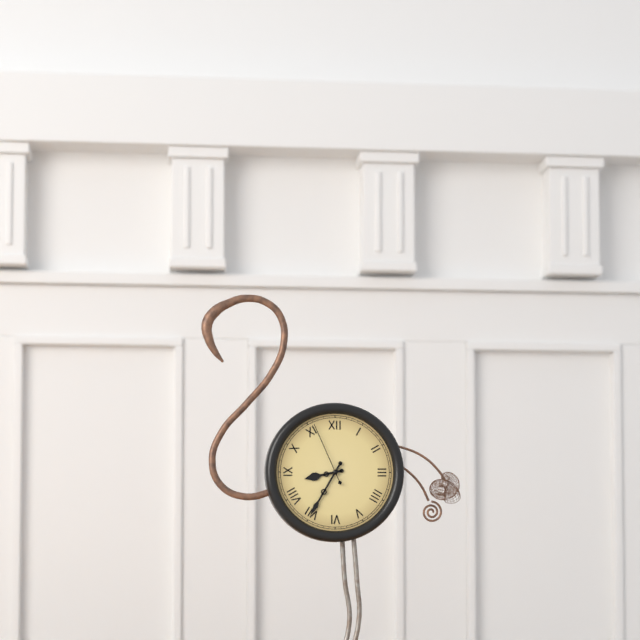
8:35:56
